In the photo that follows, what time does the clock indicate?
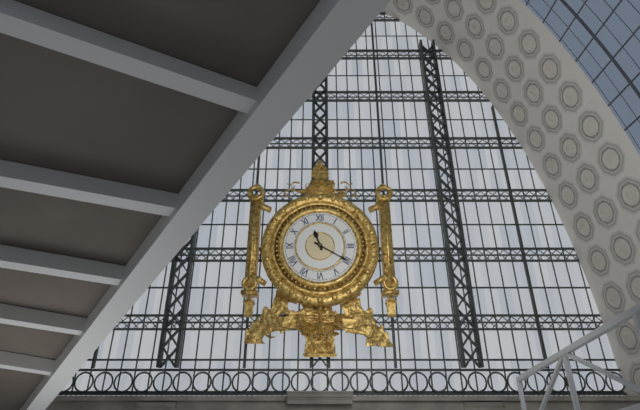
11:20
